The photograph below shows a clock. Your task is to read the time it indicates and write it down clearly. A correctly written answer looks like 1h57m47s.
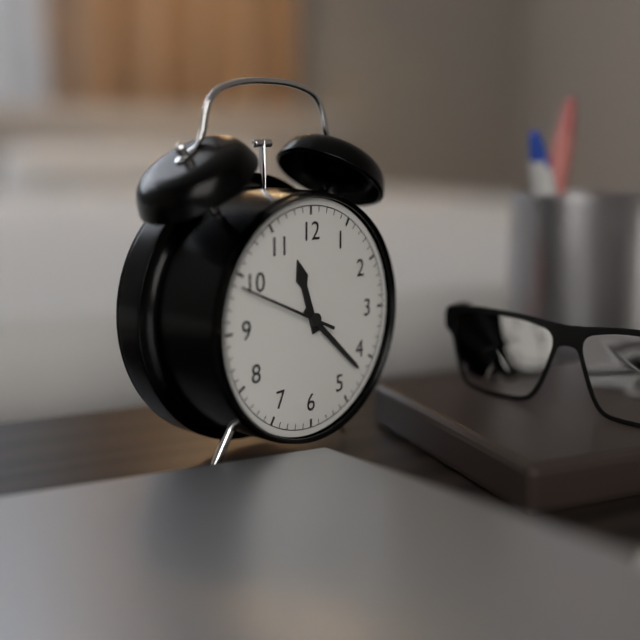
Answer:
11h22m49s
